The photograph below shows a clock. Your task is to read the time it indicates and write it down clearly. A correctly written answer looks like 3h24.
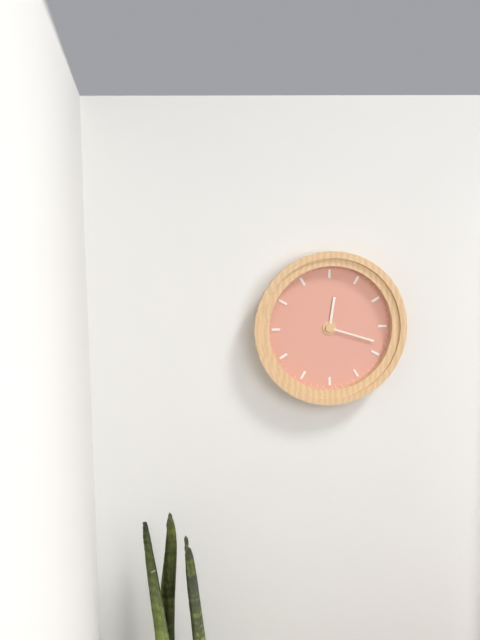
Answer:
12h18
